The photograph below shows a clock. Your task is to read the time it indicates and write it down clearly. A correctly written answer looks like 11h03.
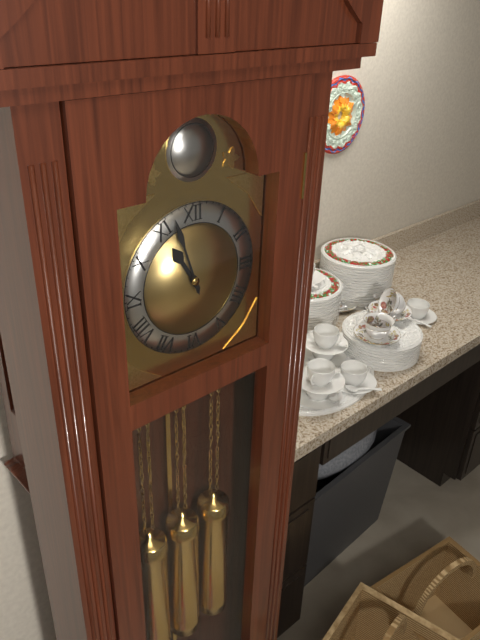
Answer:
10h57
